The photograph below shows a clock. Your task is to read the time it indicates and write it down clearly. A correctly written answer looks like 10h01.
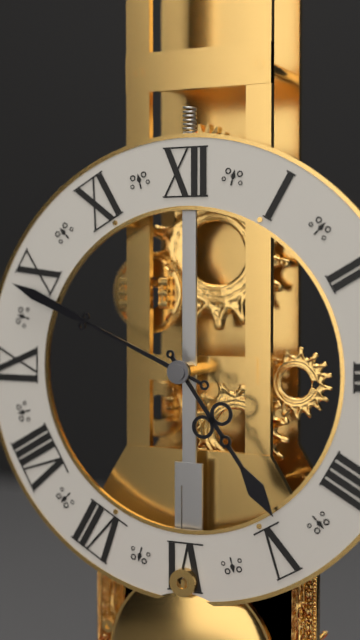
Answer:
4h49
